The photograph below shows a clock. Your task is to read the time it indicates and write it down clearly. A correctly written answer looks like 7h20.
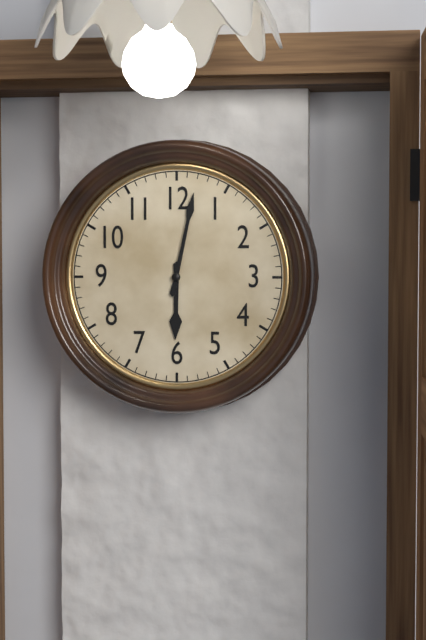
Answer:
6h02
